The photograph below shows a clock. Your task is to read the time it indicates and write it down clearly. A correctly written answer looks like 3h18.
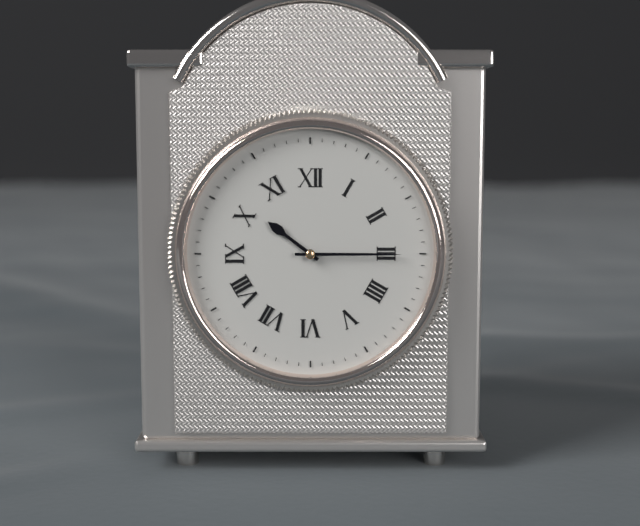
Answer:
10h15
